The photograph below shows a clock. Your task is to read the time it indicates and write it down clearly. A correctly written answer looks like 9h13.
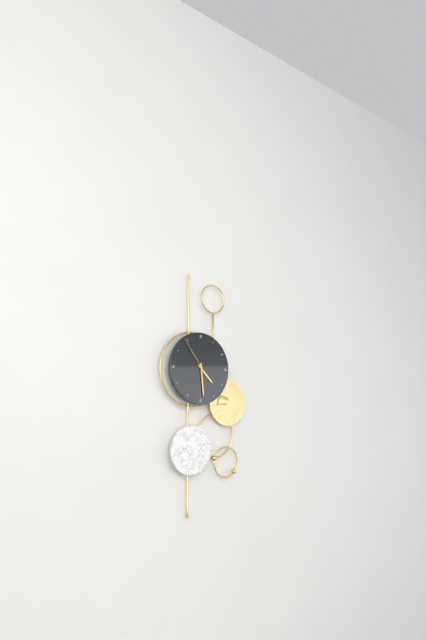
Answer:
4h29
